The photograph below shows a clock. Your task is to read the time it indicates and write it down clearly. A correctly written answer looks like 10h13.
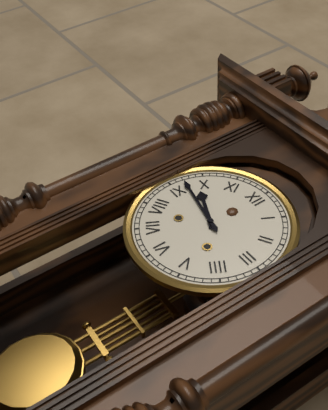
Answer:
9h47
